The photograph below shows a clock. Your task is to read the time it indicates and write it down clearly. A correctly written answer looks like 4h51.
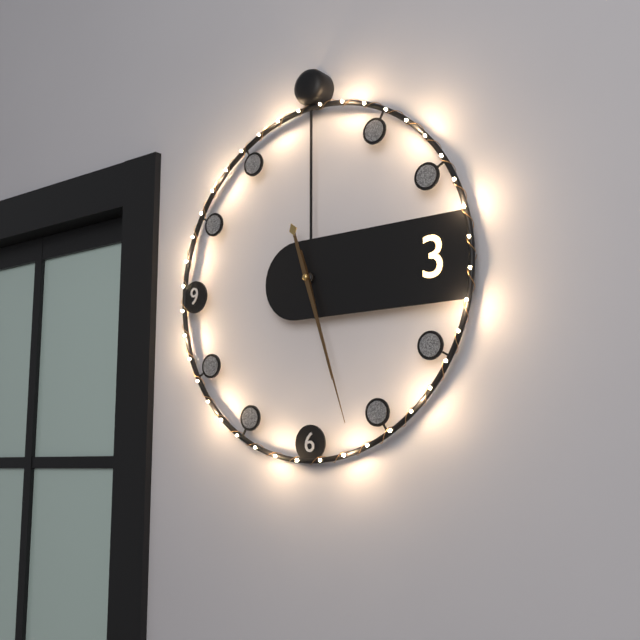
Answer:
5h27
